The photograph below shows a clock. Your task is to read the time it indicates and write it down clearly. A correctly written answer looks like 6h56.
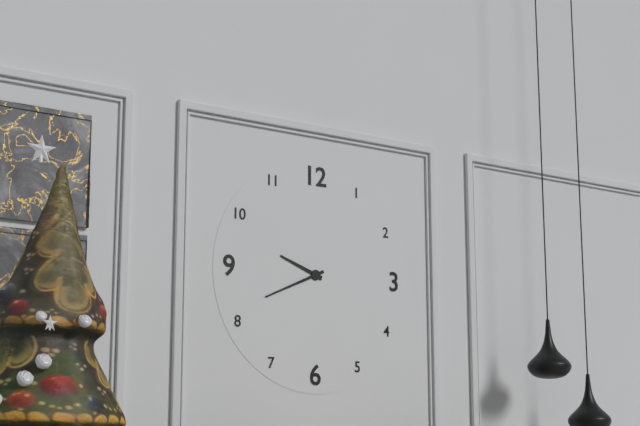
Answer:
9h41
